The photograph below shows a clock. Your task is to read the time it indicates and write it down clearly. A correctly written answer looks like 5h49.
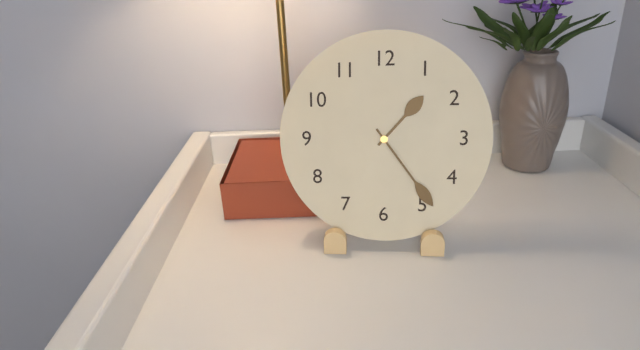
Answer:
1h24
